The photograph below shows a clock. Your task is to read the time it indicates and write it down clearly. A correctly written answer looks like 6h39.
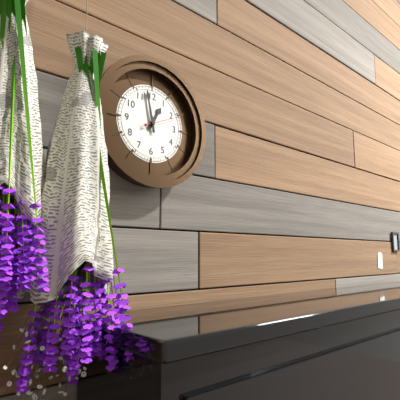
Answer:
12h58
